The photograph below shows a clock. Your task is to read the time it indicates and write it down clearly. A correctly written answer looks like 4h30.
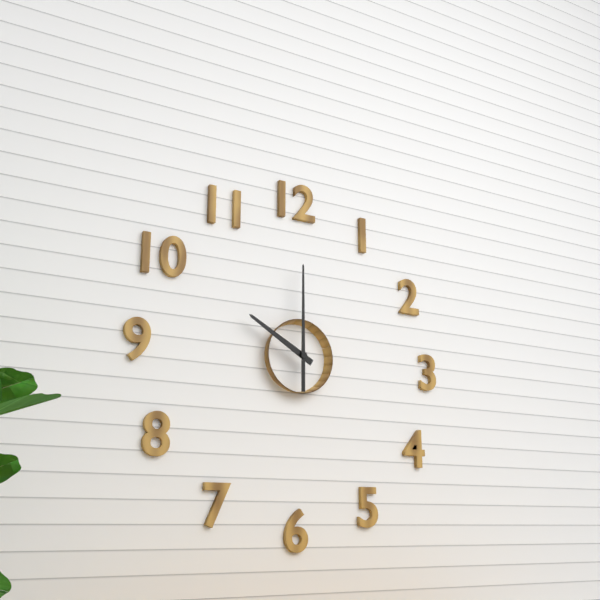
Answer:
10h00
